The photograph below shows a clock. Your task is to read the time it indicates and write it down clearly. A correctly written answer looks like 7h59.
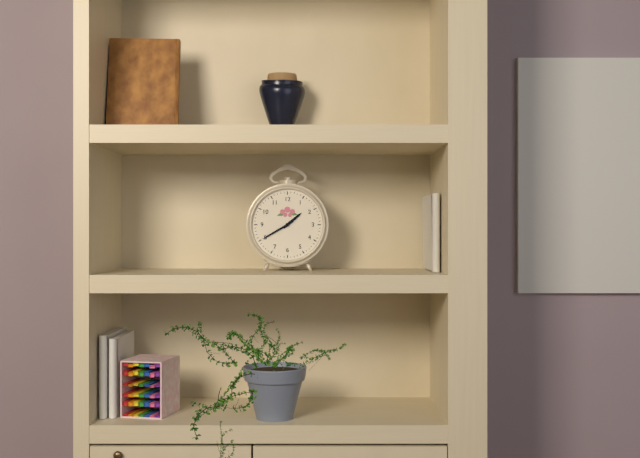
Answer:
1h40
